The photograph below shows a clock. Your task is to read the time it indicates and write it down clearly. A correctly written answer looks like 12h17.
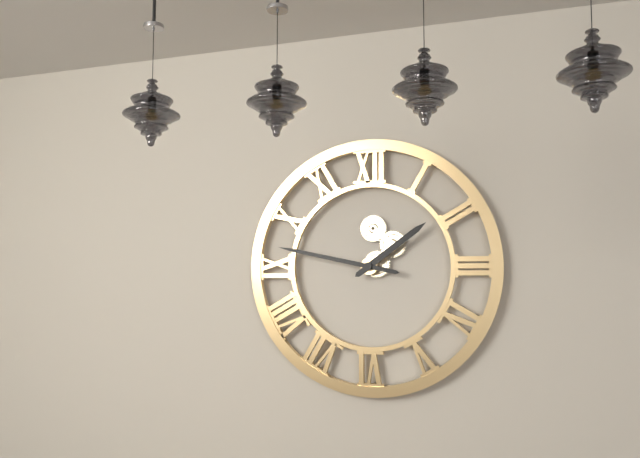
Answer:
1h47
